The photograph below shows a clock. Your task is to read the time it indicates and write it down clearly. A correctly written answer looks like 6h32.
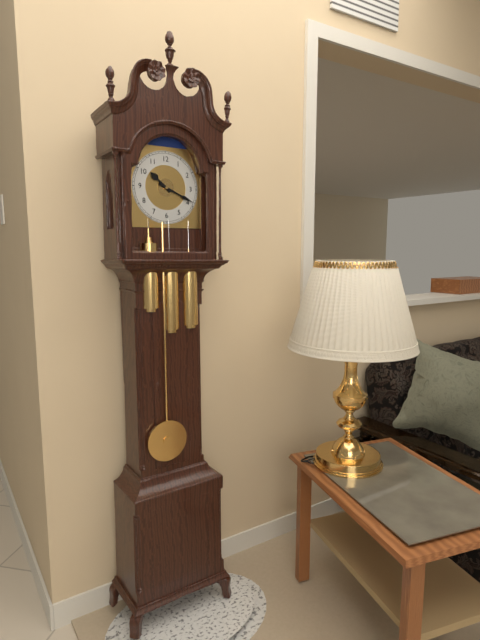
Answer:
10h19
